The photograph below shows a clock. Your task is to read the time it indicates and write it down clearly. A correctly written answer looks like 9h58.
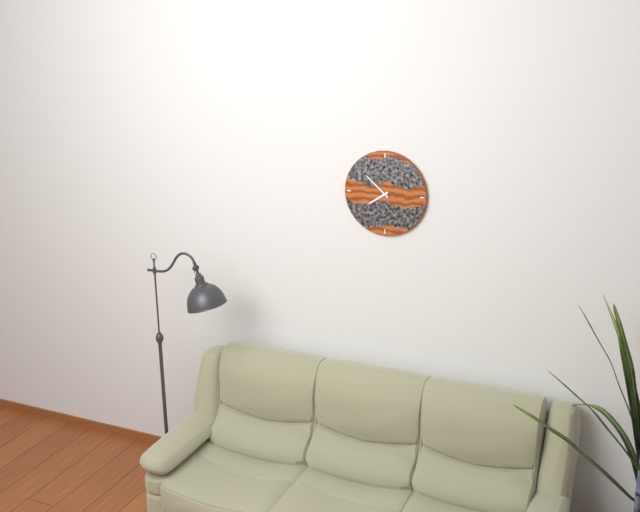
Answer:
7h52
